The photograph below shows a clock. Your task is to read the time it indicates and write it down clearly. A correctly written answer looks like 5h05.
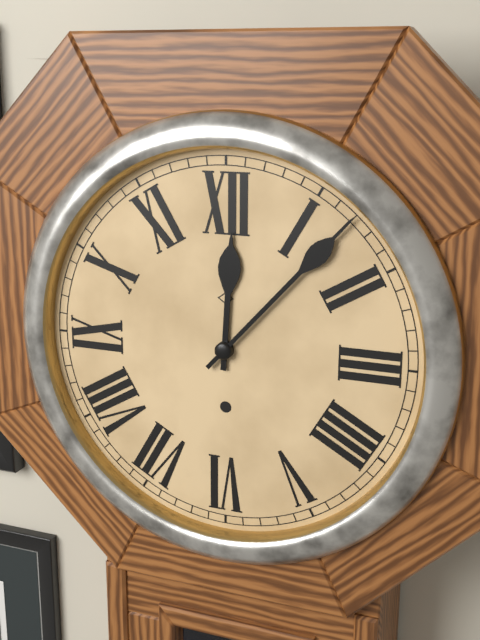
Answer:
12h07
